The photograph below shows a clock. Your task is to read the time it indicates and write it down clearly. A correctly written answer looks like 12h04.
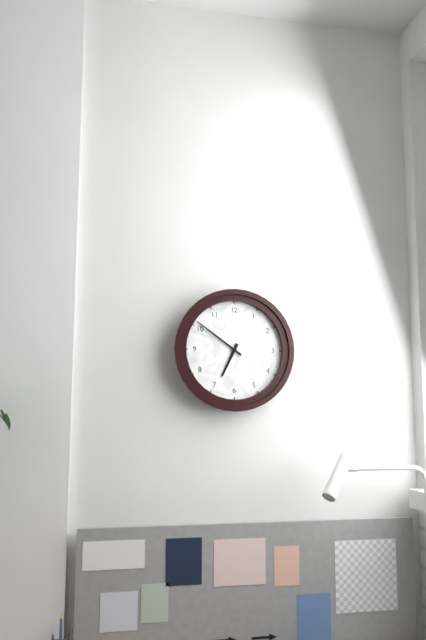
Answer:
6h51
